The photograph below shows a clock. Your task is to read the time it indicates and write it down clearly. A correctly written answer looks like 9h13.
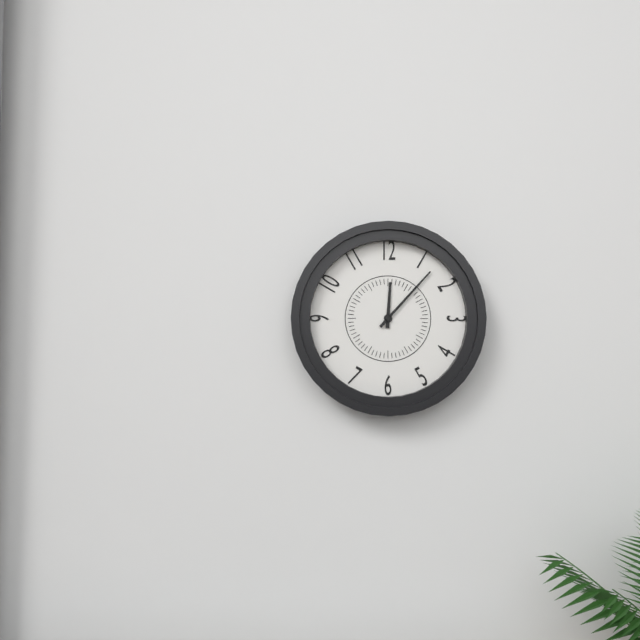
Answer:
12h07
